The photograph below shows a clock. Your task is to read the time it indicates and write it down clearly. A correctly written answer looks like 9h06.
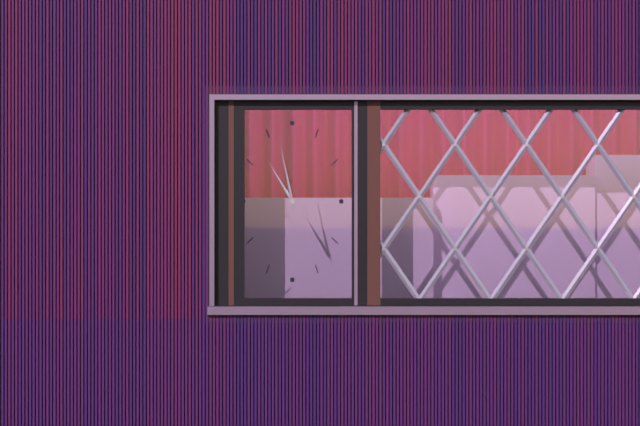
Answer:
10h58
